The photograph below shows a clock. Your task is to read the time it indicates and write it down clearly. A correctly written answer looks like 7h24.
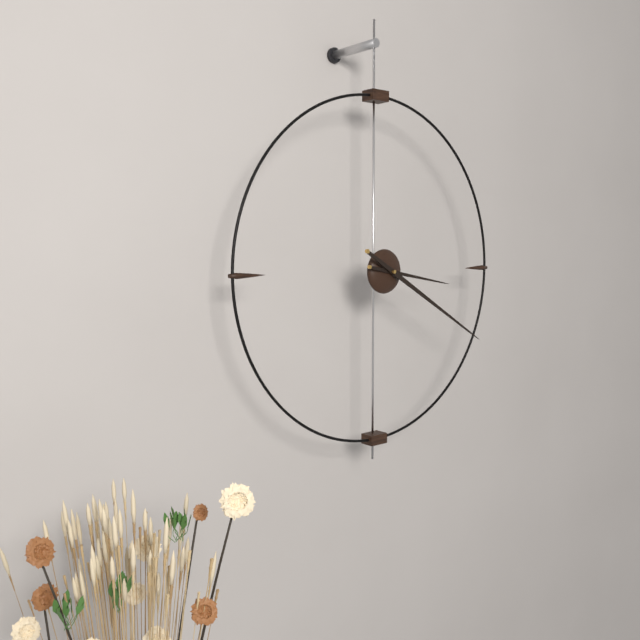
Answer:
3h20
